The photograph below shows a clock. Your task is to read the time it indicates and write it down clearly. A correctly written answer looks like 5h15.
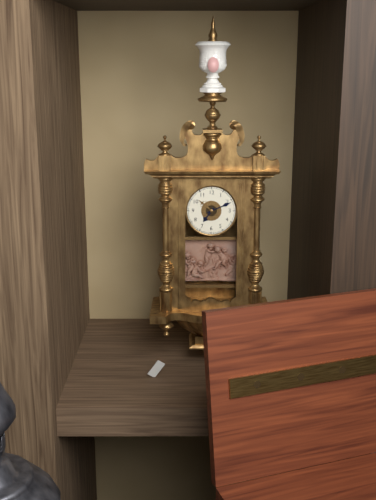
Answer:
7h11
